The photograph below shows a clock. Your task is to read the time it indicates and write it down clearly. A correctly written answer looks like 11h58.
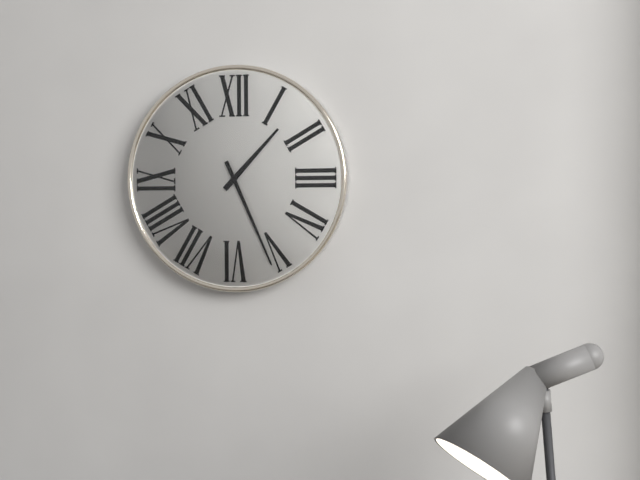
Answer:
1h26
